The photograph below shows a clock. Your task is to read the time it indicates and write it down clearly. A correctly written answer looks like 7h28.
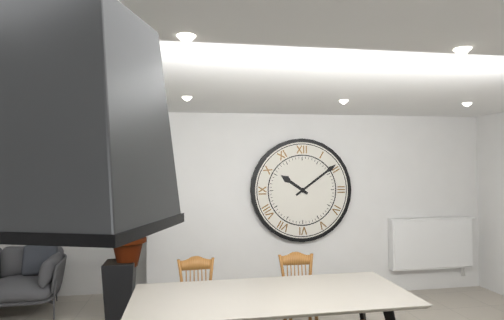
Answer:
10h09
